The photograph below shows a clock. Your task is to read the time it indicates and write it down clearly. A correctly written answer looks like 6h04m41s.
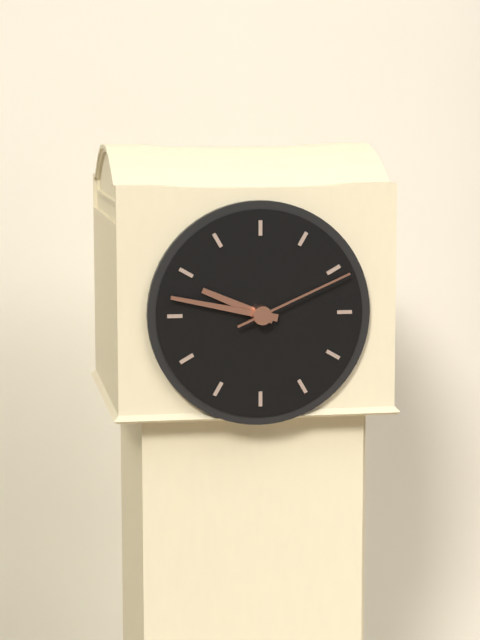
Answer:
9h47m11s
